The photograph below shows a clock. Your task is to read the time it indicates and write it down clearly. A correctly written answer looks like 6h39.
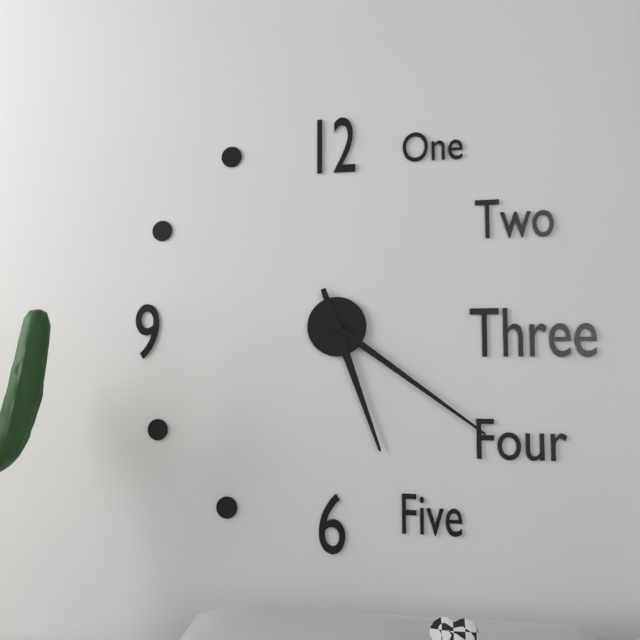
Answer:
5h21
